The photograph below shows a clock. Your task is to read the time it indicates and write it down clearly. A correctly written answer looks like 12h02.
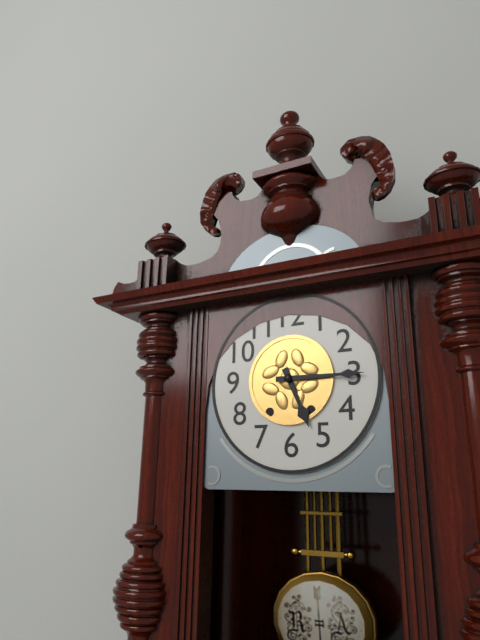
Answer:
5h15
